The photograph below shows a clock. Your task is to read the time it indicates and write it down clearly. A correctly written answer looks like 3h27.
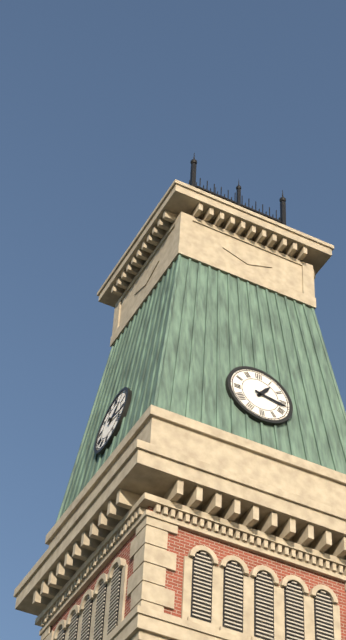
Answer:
1h17
